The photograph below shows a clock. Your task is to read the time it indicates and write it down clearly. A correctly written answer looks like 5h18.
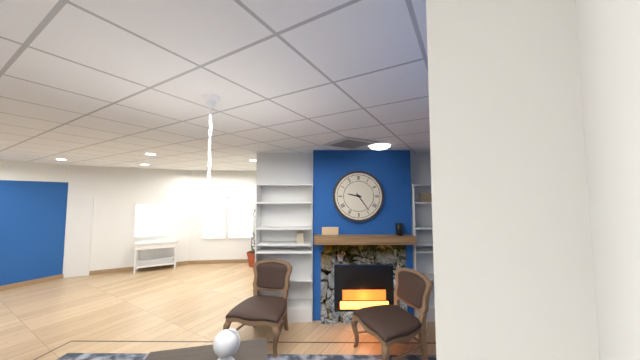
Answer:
9h24
